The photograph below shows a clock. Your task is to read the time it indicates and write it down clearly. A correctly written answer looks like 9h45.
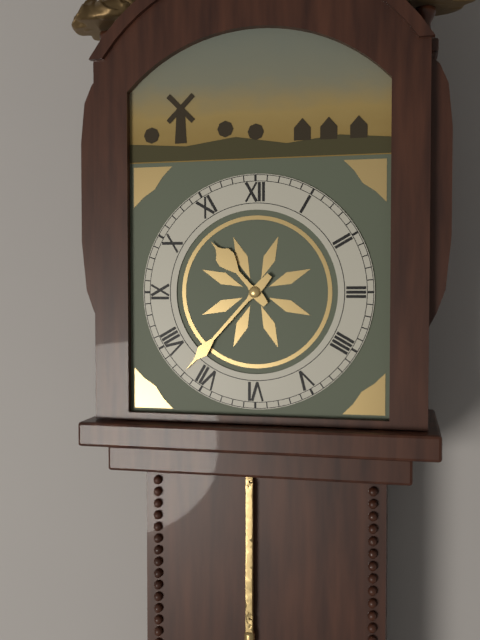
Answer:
10h37
